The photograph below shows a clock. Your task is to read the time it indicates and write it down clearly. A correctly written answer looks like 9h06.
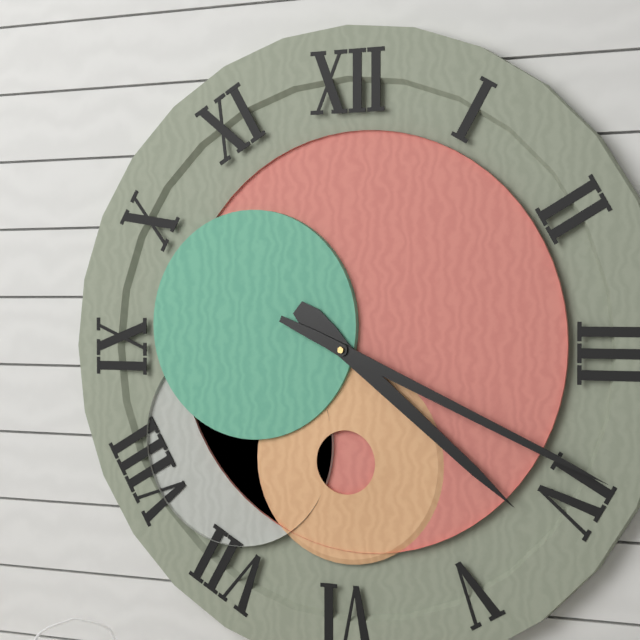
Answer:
4h19
